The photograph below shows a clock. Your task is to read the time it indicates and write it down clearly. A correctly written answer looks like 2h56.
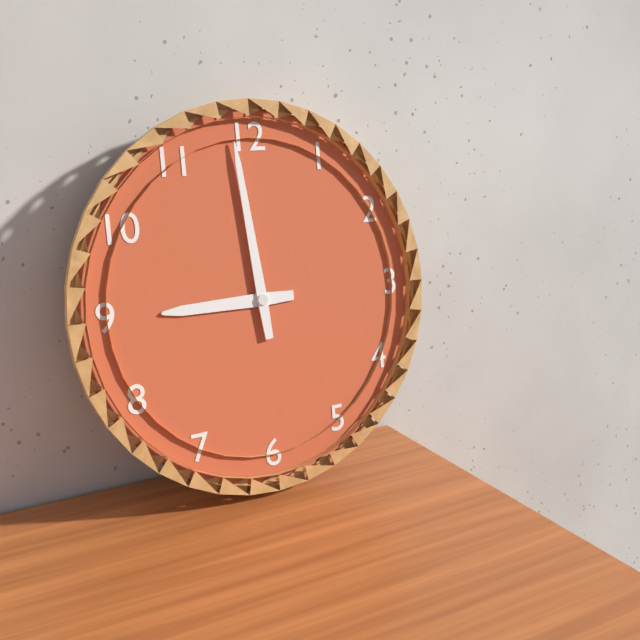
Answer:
8h59
